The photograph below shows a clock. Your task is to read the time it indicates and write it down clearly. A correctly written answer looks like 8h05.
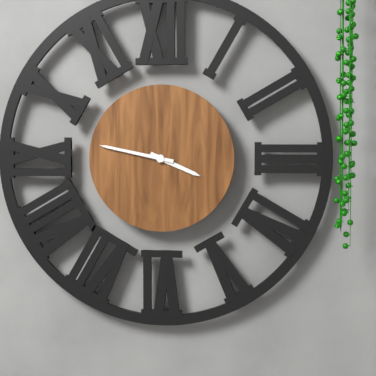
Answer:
3h47
